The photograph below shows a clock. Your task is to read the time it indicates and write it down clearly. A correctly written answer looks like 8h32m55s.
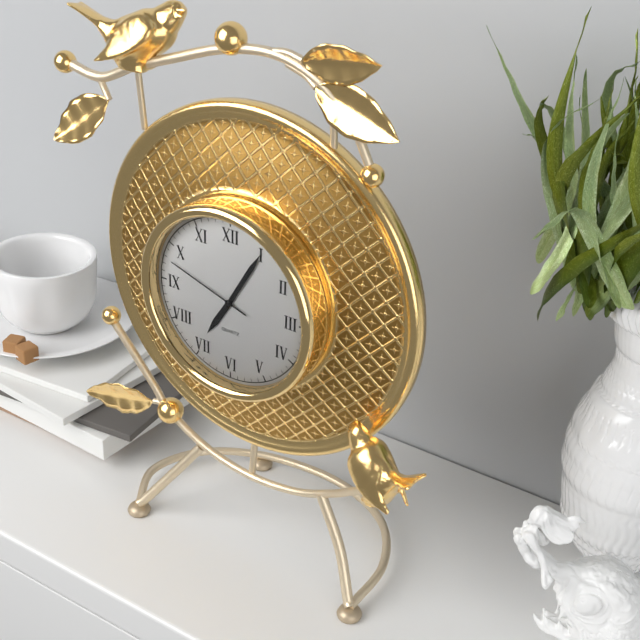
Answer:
7h05m48s
